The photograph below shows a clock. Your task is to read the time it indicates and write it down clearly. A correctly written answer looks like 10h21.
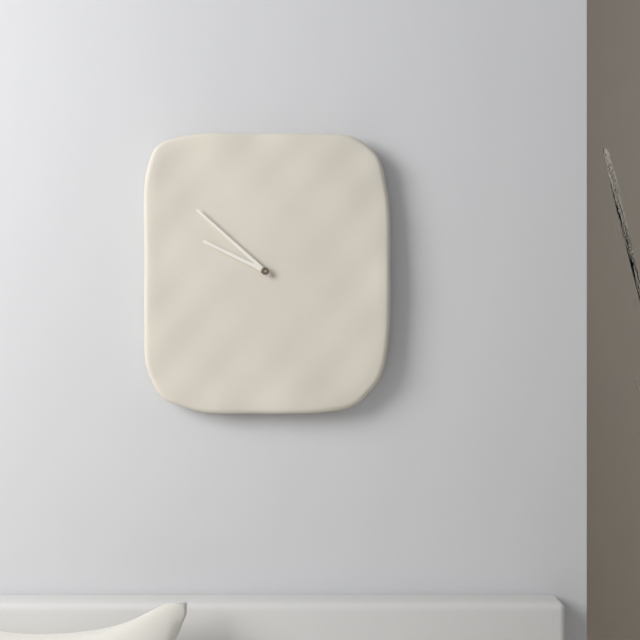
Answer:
9h52
